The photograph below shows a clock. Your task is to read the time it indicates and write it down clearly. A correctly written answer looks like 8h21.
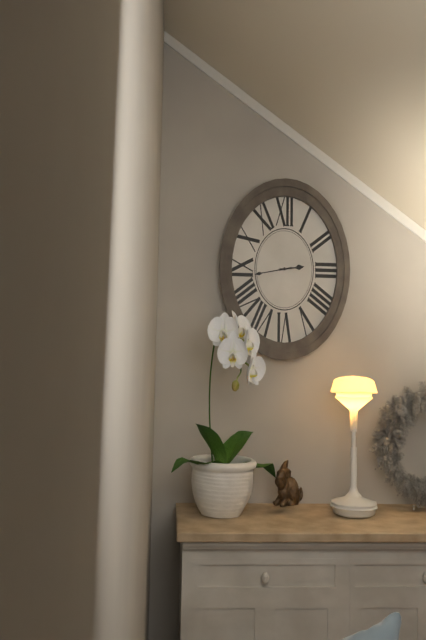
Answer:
2h43
